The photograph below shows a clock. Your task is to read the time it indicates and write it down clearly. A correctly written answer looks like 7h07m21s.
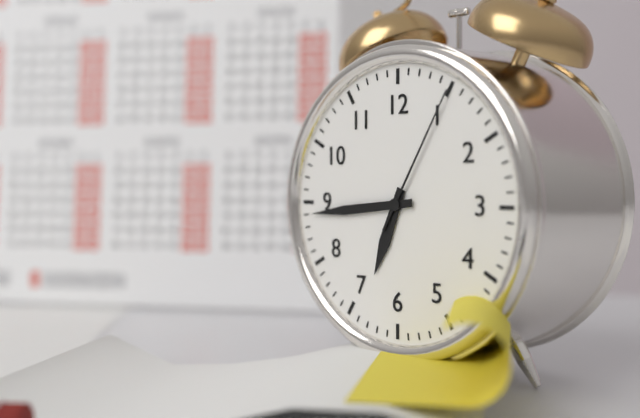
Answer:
6h44m05s
